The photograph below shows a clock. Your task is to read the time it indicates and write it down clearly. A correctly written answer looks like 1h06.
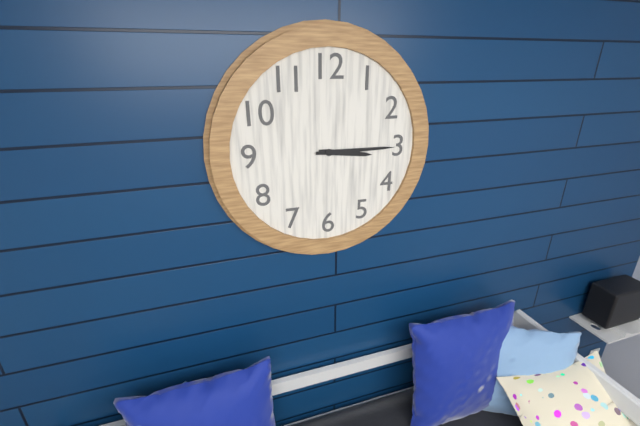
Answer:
3h15
